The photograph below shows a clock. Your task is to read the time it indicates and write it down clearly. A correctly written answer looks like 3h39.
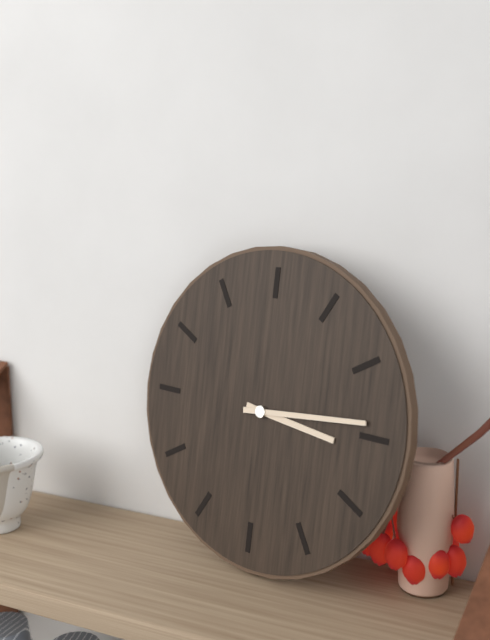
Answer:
3h14
